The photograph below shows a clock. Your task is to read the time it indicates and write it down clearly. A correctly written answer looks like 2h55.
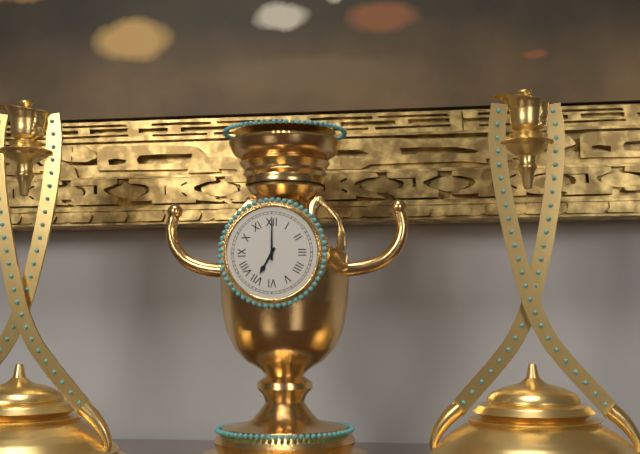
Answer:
7h00
